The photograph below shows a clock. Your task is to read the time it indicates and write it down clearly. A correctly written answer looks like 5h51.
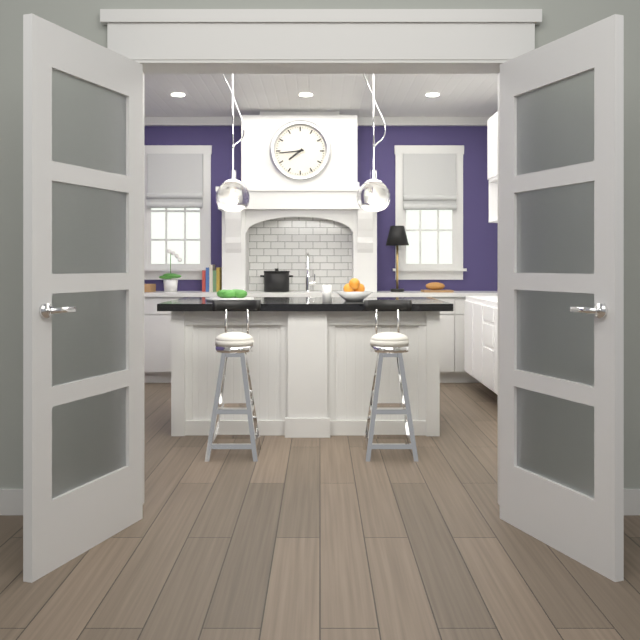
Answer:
7h44
